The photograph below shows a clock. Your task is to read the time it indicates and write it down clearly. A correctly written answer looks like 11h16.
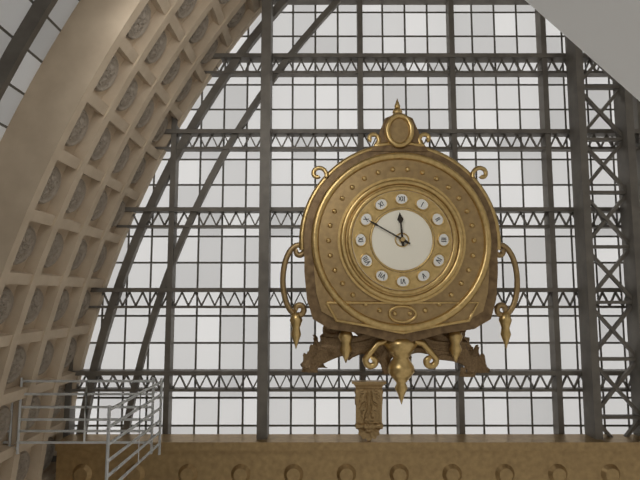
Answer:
11h50
